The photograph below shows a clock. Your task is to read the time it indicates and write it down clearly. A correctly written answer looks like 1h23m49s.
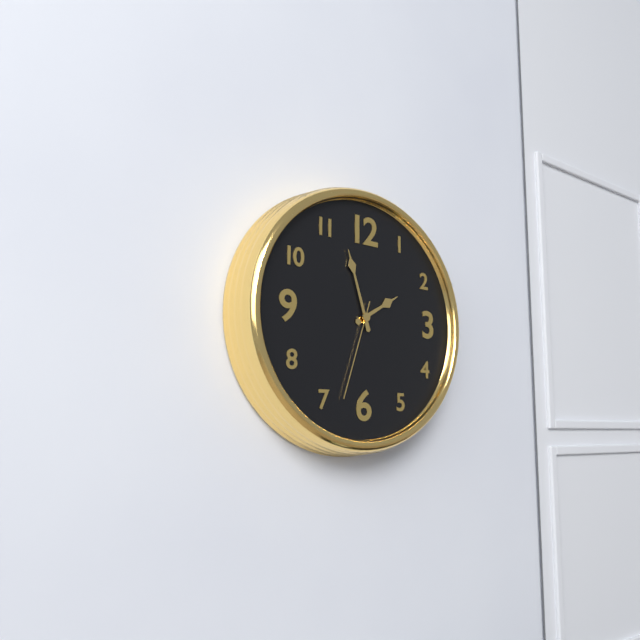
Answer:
1h57m33s
